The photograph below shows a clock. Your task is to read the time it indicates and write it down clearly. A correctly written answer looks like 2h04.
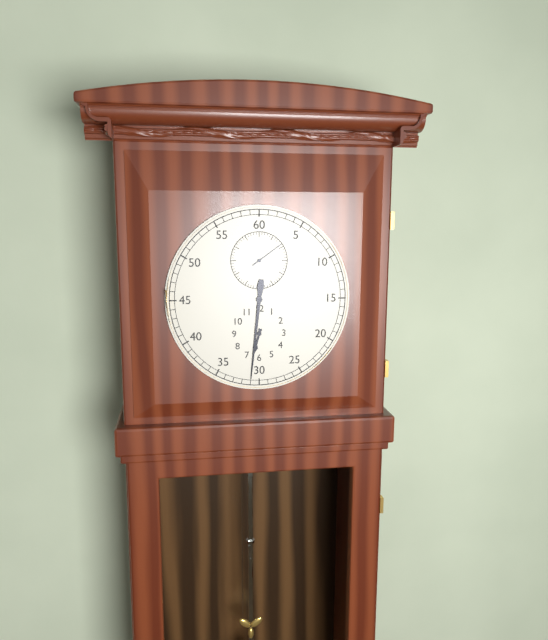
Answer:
6h31
